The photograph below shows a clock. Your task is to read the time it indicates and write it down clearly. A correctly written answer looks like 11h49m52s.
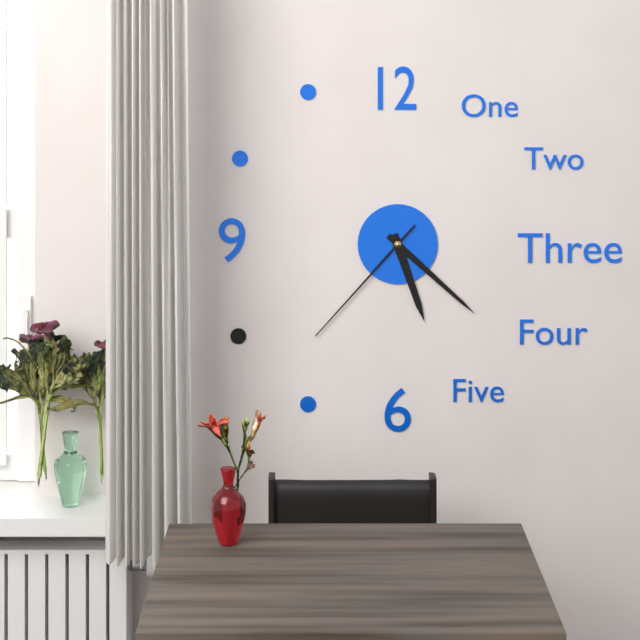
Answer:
5h22m37s
